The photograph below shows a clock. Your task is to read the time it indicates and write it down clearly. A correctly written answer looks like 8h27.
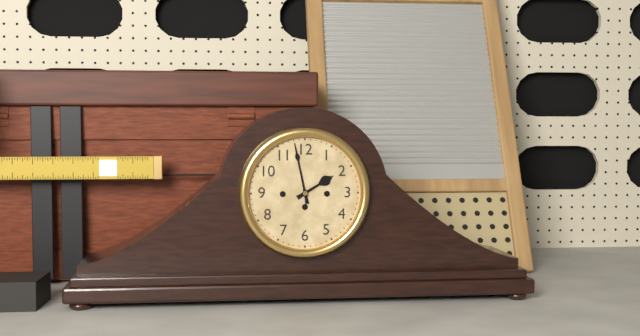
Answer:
1h58
